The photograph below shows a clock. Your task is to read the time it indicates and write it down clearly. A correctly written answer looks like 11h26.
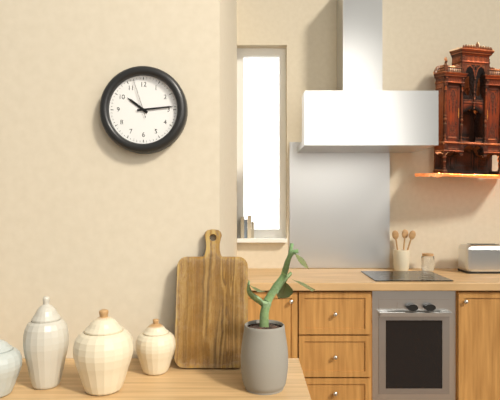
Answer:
10h14
